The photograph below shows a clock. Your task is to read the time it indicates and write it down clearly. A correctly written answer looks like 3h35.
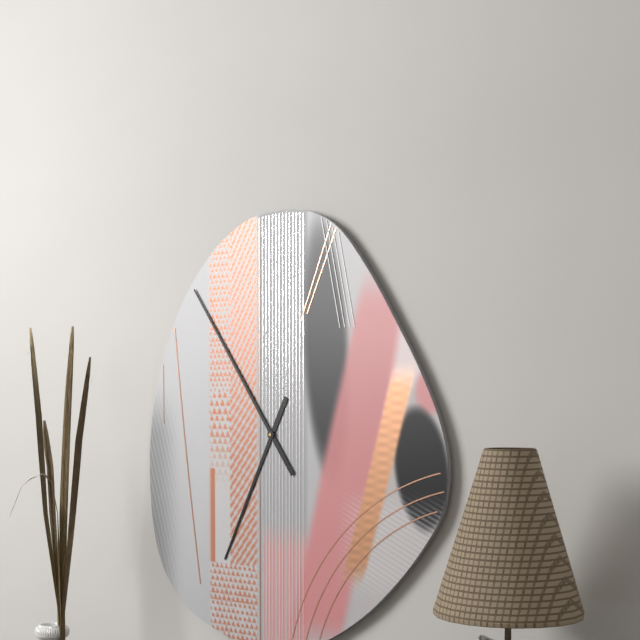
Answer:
6h54
